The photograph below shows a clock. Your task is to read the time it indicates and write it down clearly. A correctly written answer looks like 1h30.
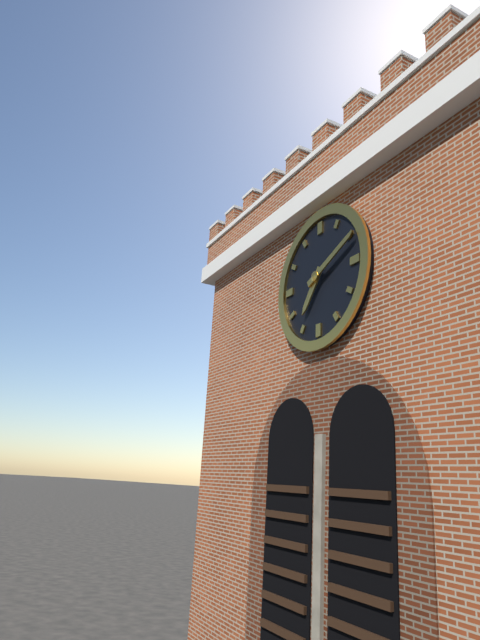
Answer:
7h11
